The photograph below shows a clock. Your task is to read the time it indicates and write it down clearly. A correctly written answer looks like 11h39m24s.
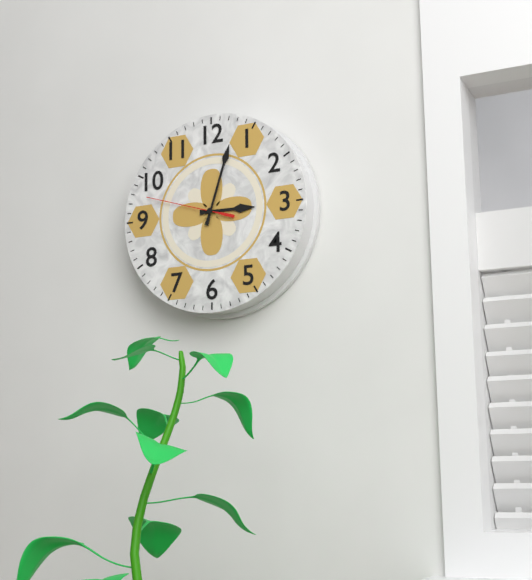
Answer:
3h03m48s
